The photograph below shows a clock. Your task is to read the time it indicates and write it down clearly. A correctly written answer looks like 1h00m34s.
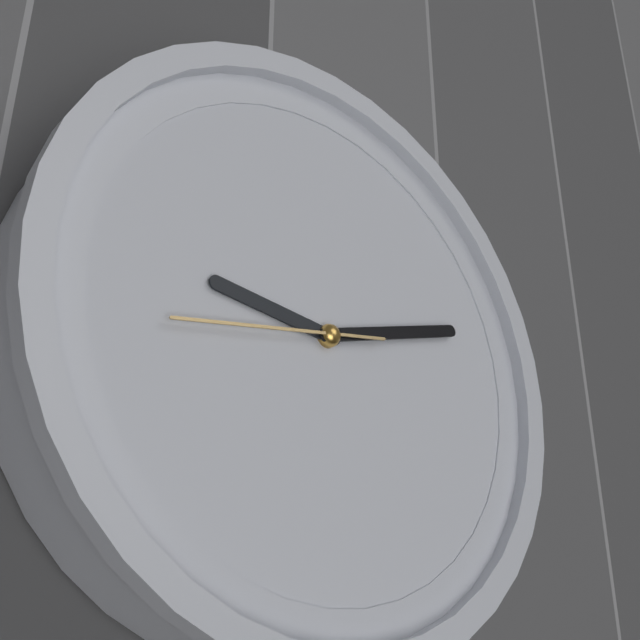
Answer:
9h12m43s
